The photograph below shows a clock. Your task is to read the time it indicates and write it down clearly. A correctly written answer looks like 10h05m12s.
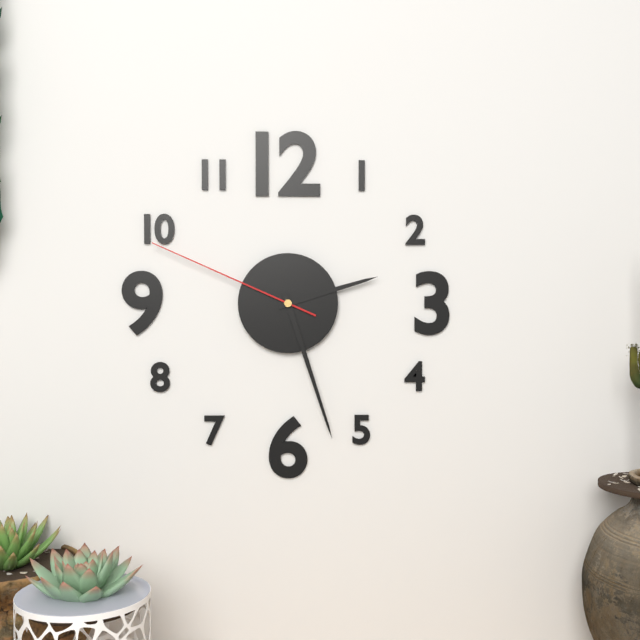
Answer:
2h27m49s
